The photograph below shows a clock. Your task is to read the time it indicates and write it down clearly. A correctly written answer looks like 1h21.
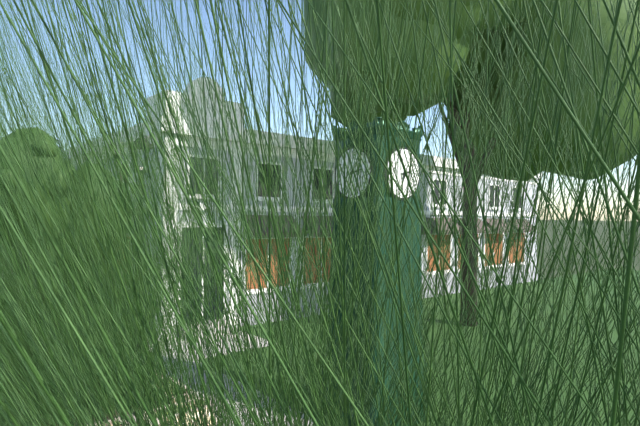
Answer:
2h32
